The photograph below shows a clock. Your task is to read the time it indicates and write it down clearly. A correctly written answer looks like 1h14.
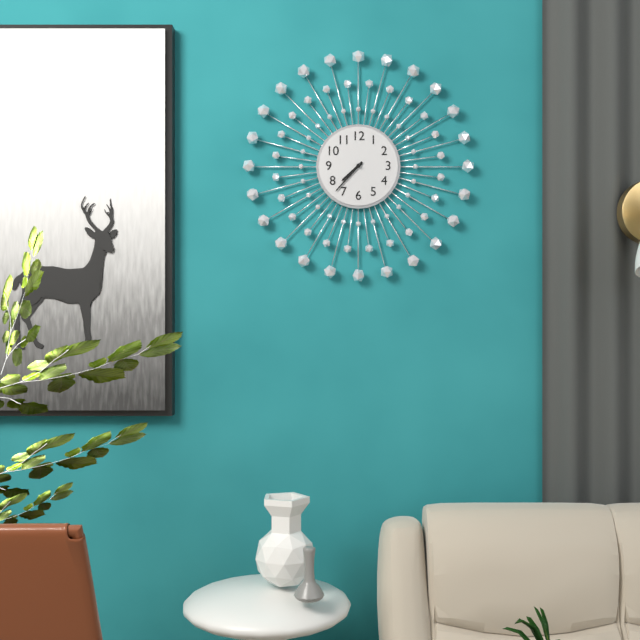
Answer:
7h37
